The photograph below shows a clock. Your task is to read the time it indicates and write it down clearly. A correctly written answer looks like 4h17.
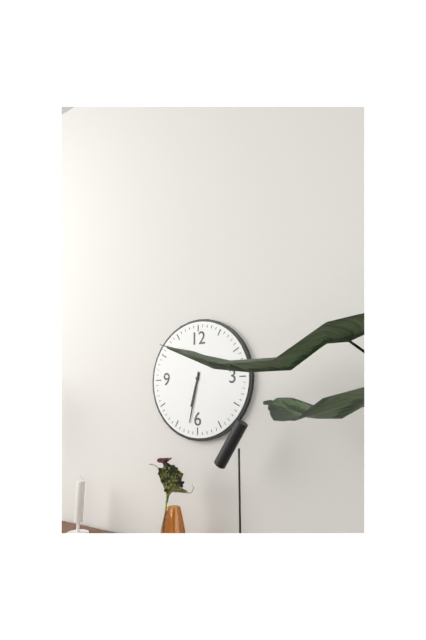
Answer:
6h32
